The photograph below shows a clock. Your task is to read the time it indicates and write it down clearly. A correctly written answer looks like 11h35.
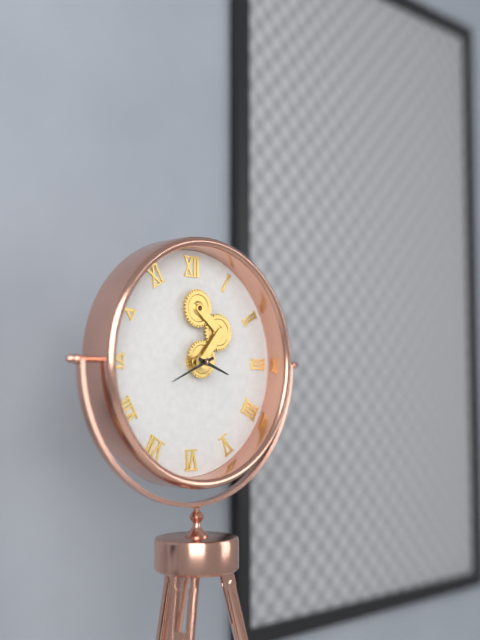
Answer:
3h41
